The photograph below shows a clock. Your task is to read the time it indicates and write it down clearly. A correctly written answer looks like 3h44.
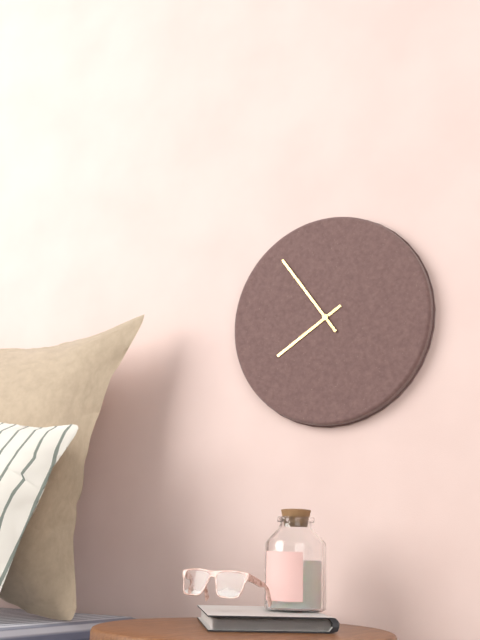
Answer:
7h54
